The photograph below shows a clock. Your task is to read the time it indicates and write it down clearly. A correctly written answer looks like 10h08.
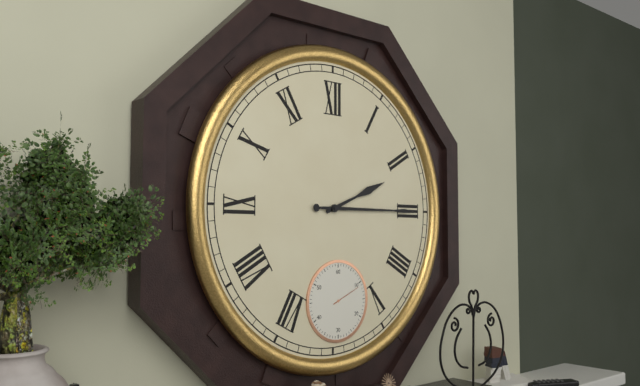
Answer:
2h15
